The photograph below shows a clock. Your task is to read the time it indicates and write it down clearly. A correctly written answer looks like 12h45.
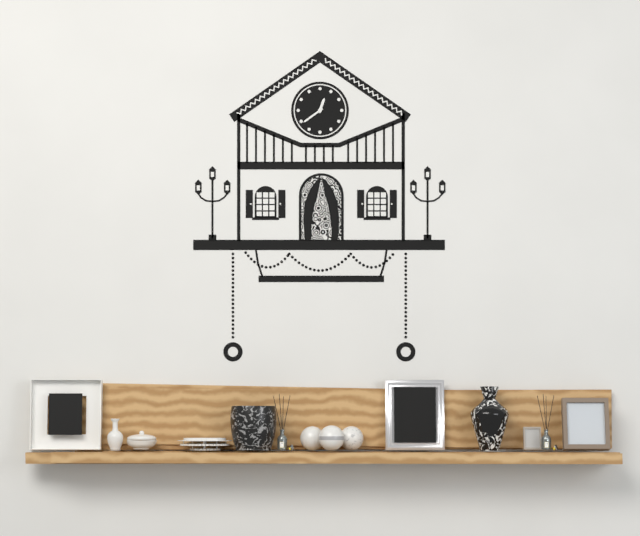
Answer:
12h39
